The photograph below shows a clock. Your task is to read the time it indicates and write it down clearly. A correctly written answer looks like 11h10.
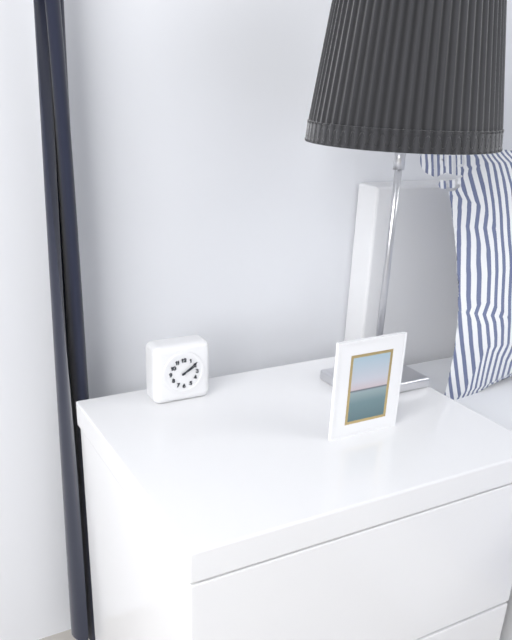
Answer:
2h09
